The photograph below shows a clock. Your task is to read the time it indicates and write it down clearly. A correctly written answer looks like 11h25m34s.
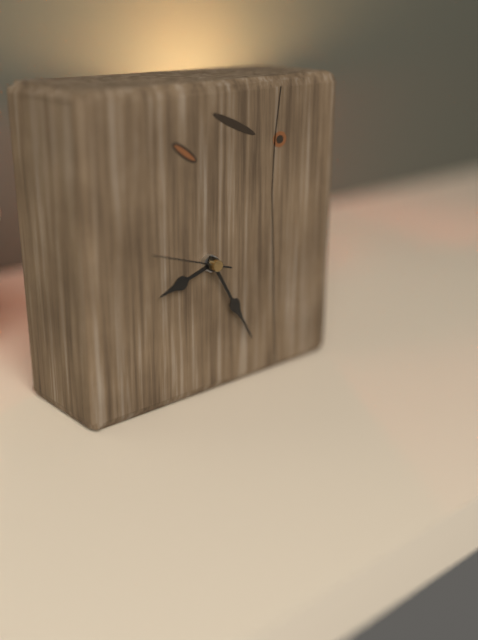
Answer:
8h25m48s
